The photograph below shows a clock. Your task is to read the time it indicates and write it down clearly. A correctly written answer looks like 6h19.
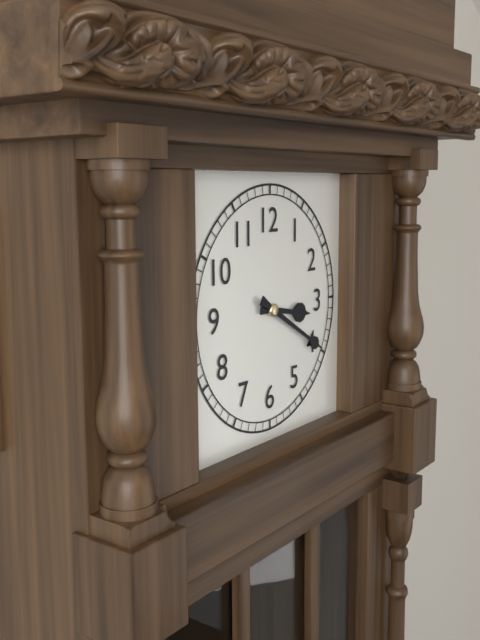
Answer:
3h20
